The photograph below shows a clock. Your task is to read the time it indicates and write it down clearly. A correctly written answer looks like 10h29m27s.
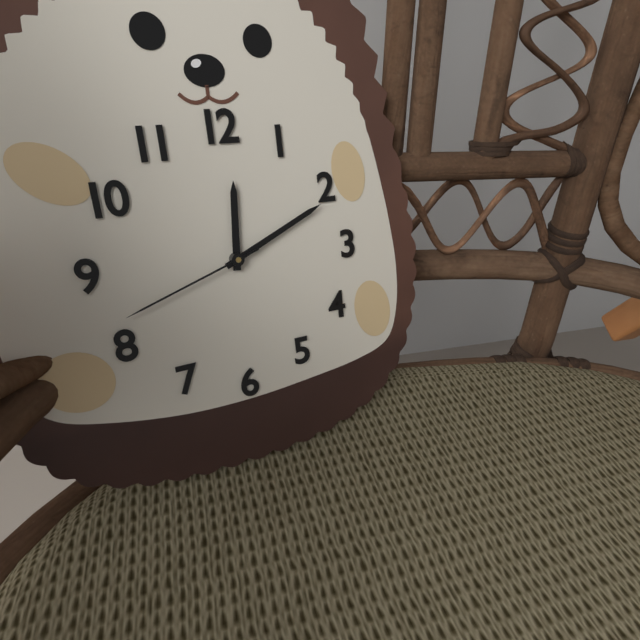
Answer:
12h11m42s
